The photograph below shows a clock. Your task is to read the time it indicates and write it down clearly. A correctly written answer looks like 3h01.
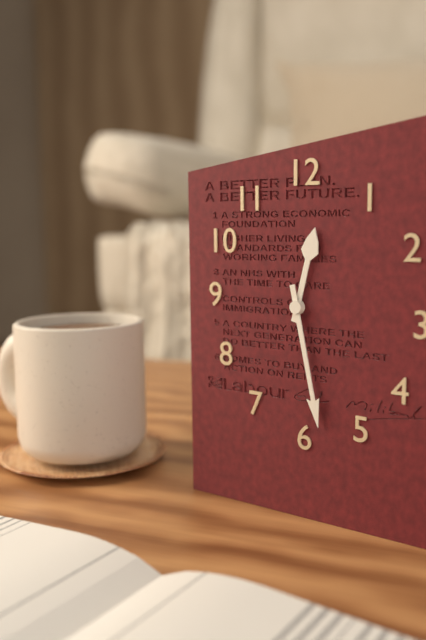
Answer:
12h28
